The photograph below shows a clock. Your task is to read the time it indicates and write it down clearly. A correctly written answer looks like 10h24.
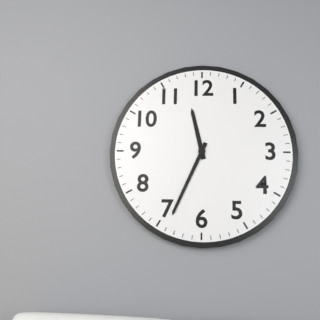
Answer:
11h34
